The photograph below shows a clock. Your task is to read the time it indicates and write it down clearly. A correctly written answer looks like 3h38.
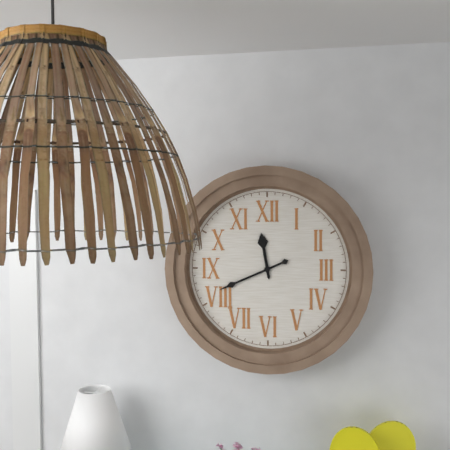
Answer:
11h41
